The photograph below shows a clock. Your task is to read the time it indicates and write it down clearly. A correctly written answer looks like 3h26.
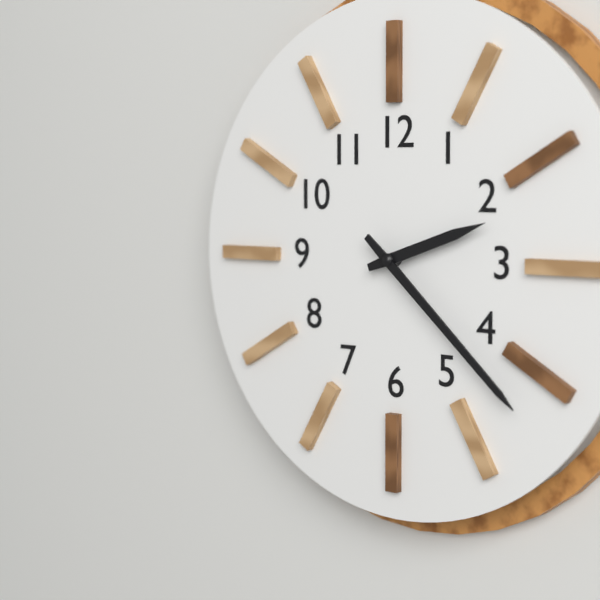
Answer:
2h22
